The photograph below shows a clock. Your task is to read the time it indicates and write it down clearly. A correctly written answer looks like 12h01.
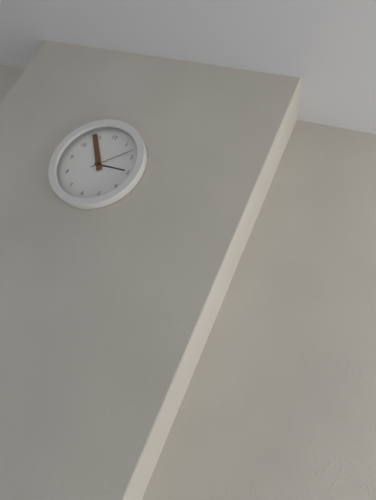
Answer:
2h54
